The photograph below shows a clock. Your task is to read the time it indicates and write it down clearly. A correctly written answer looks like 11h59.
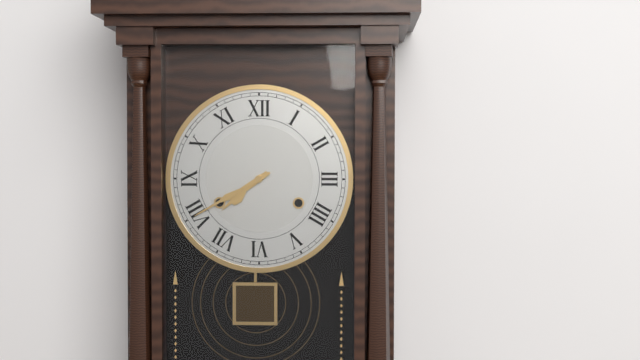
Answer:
7h40
